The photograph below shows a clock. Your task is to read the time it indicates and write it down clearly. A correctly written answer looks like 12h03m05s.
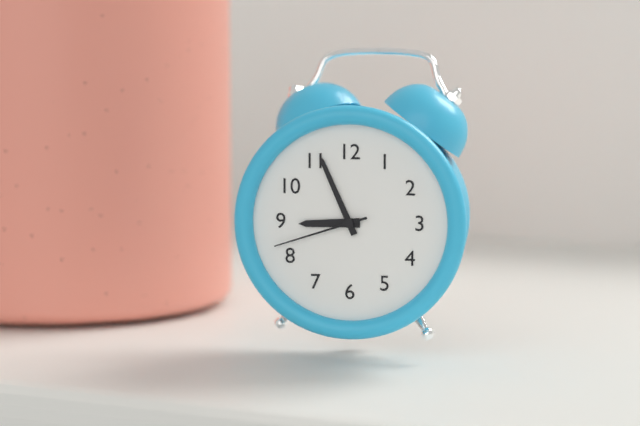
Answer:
8h56m42s
